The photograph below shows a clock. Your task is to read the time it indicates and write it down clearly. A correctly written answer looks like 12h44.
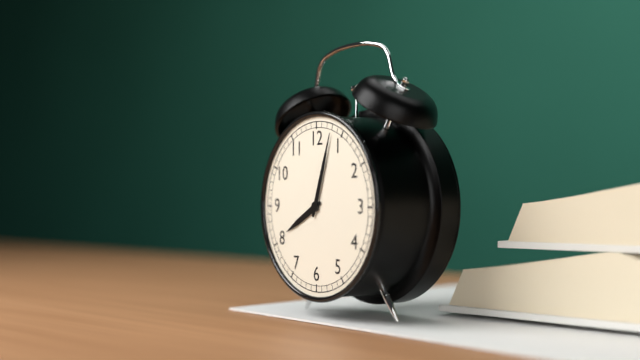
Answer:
8h03
